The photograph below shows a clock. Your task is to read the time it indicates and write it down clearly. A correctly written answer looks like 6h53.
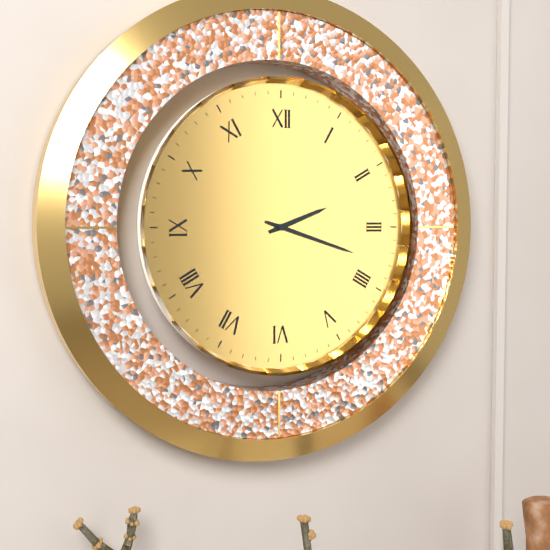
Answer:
2h18
